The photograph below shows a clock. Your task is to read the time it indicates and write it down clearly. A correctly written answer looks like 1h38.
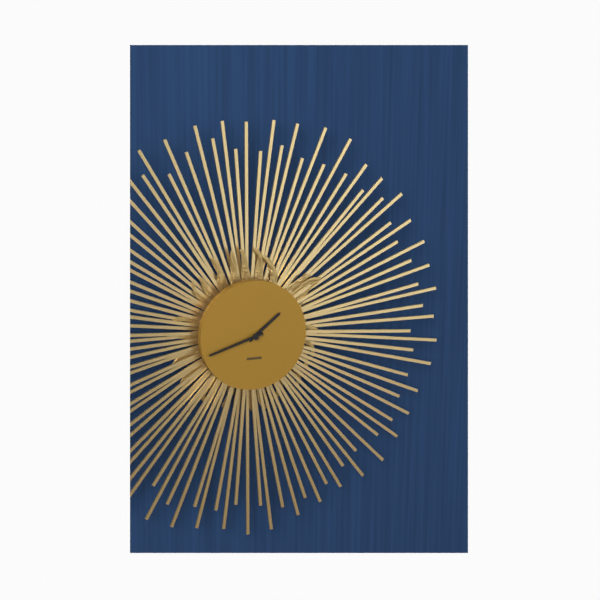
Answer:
1h42
